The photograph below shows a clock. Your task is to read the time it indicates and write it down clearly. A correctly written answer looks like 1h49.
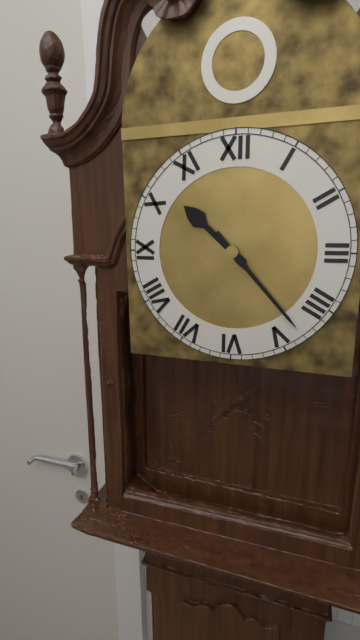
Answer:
10h23
